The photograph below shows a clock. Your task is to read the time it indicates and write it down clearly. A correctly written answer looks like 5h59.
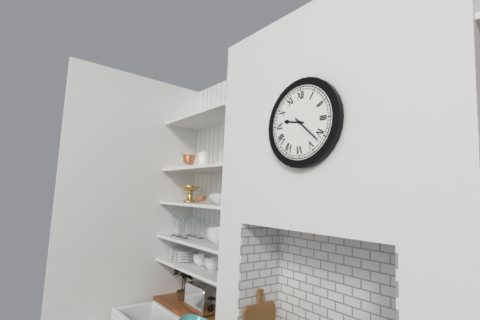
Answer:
9h22
